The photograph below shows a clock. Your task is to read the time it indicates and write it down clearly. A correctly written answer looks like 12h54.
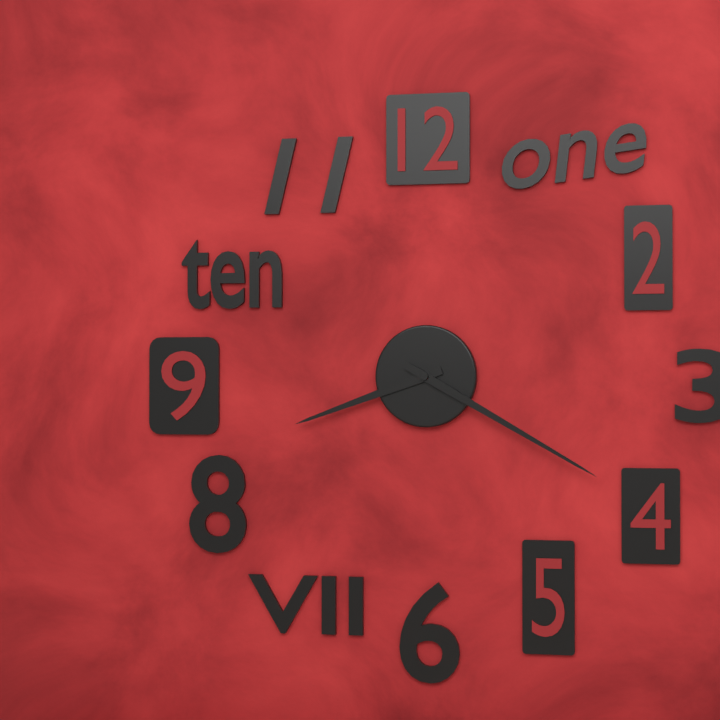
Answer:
8h20
